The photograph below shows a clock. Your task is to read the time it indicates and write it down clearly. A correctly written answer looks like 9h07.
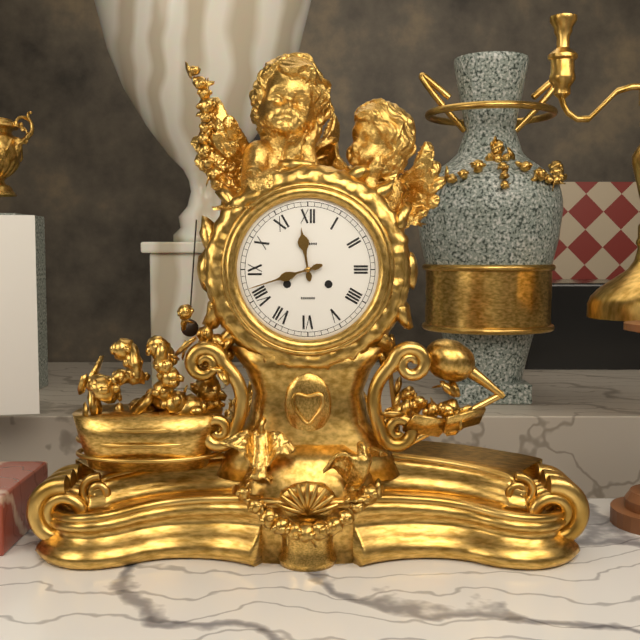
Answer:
11h42
